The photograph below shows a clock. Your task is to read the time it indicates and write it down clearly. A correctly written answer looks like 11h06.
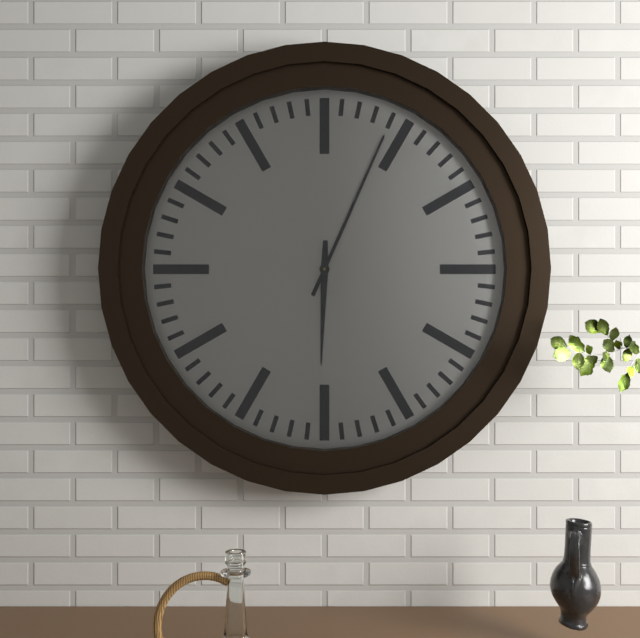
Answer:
6h04
